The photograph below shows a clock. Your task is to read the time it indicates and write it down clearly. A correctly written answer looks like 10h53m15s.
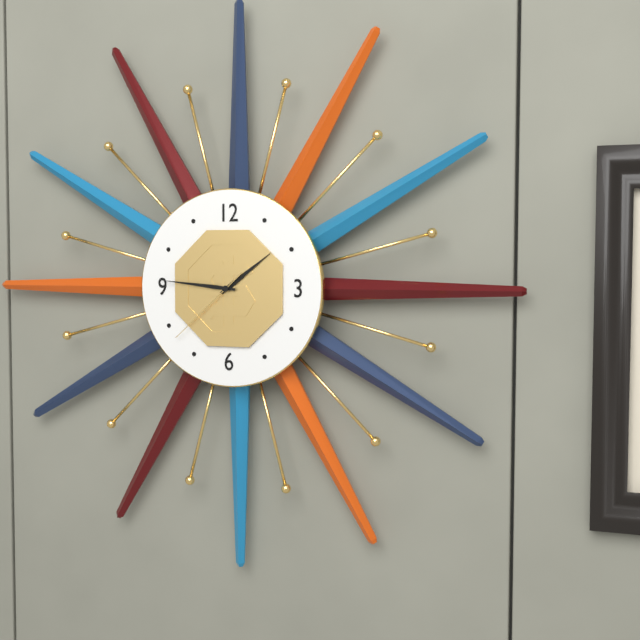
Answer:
1h46m38s
